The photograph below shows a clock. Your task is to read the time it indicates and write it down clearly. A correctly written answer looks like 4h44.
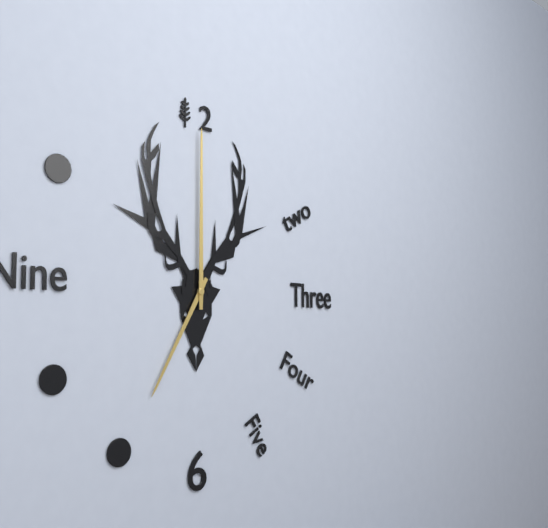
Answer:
7h00
